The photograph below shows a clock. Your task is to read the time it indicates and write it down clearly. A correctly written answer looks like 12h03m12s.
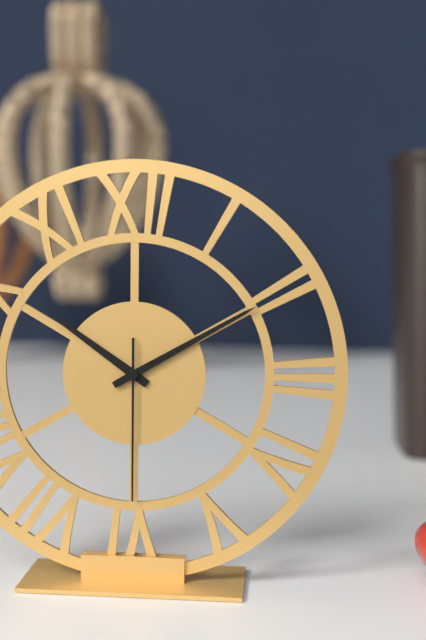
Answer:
10h10m30s
